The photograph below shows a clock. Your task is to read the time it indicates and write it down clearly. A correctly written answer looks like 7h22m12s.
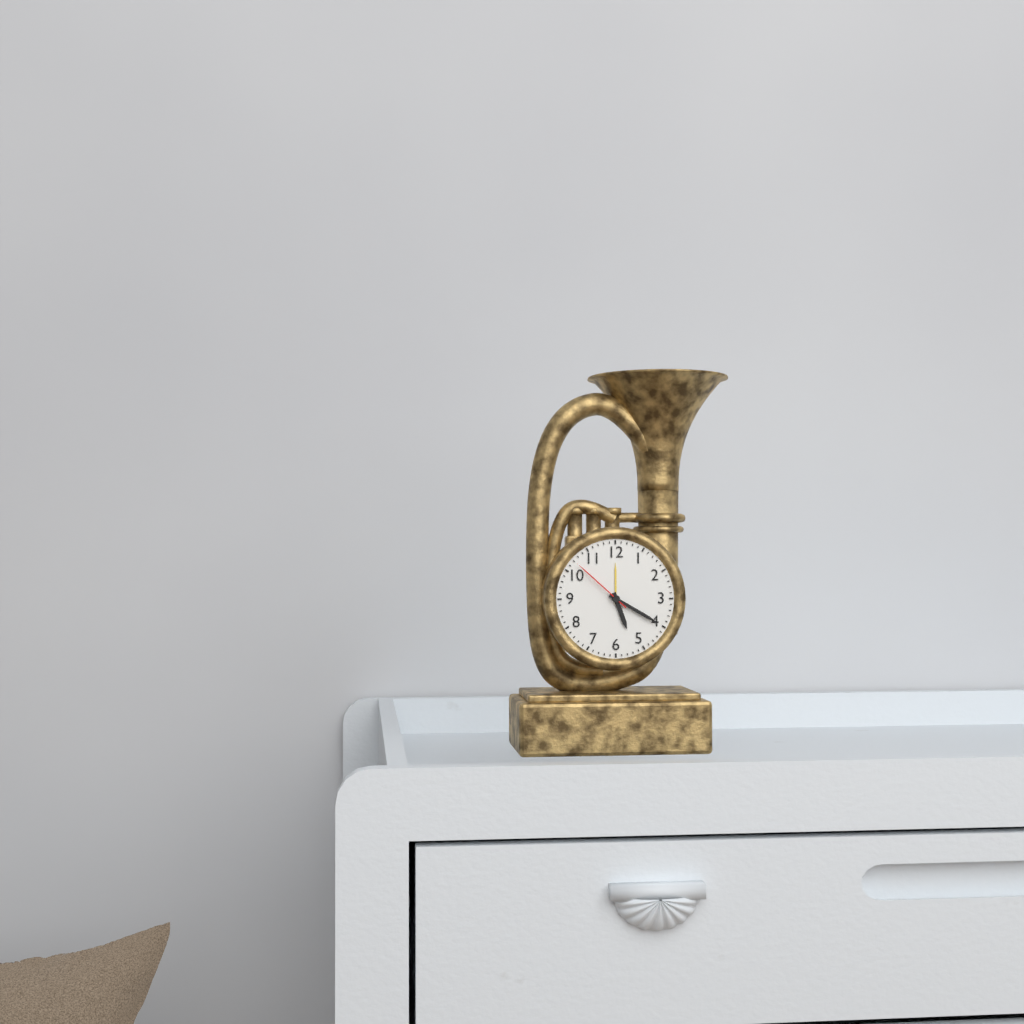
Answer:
5h20m52s
